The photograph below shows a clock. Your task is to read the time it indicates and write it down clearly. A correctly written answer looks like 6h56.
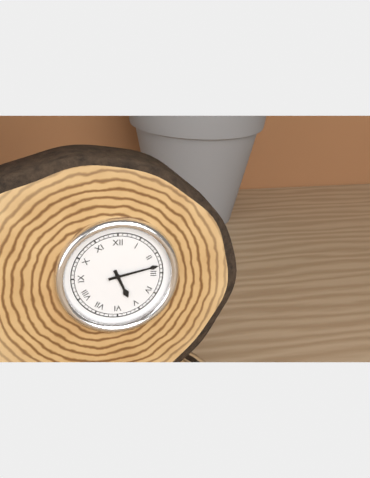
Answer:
5h13
